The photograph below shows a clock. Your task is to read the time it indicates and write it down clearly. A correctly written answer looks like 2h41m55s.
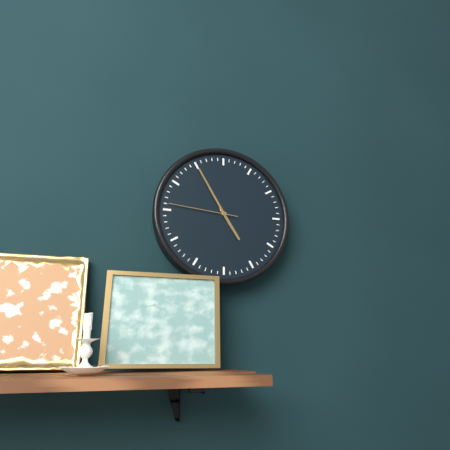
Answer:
4h55m46s
